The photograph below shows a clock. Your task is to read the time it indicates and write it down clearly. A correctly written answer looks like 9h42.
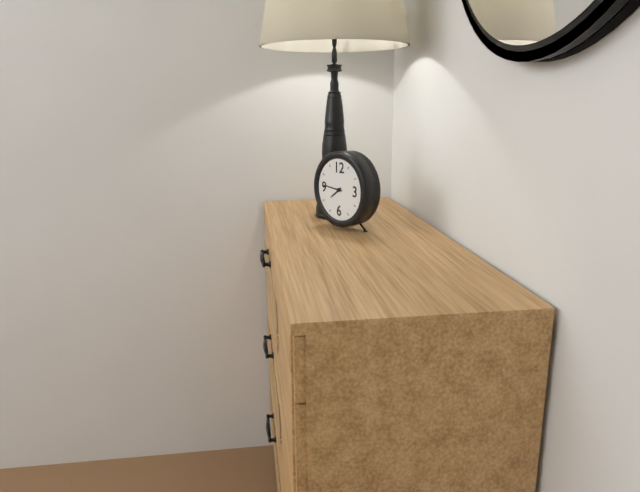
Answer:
7h46
